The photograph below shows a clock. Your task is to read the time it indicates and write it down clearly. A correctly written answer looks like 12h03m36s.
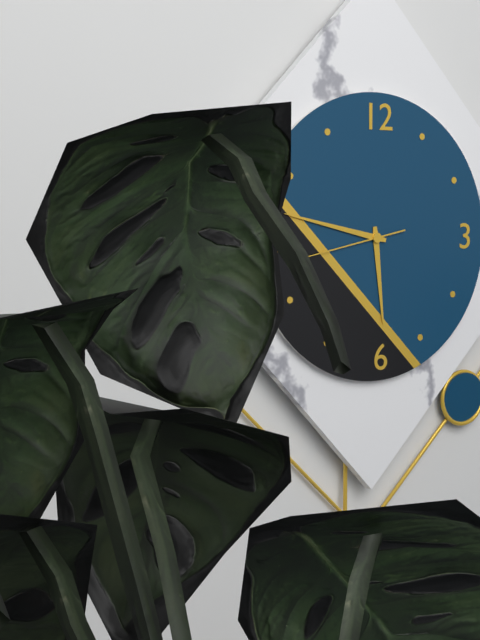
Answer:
5h47m43s
